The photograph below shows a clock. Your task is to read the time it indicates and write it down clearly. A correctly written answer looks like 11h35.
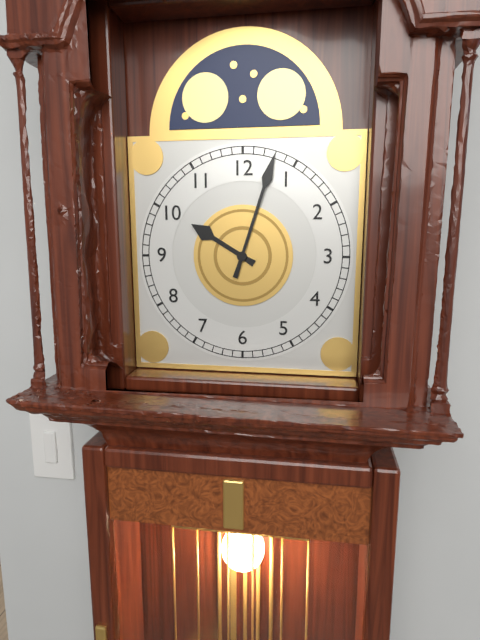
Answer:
10h03
